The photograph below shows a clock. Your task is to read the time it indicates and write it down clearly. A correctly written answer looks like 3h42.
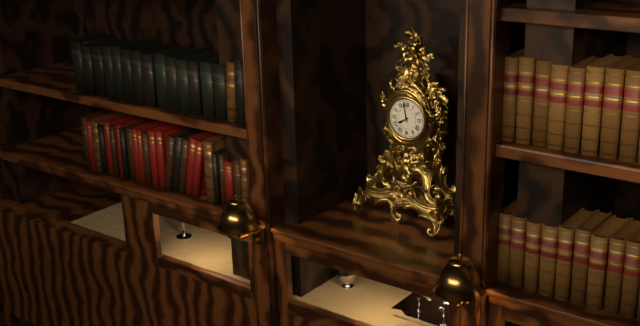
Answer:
7h58
